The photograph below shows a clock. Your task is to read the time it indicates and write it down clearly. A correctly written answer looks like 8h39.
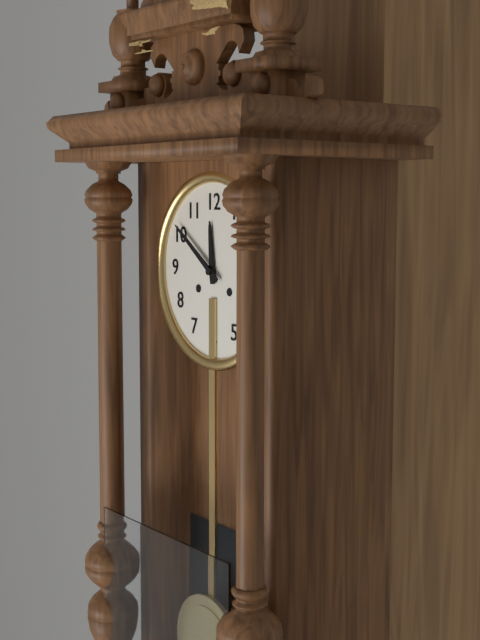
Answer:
11h51
